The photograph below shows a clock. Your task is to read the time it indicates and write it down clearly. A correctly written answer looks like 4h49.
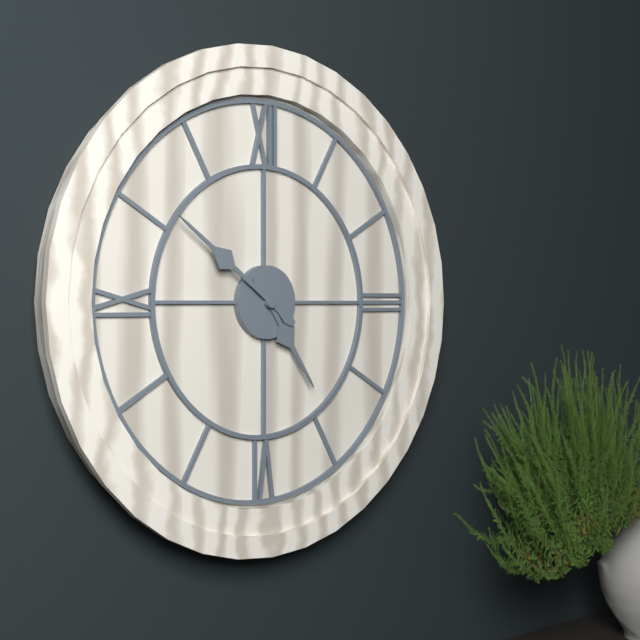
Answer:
4h51
